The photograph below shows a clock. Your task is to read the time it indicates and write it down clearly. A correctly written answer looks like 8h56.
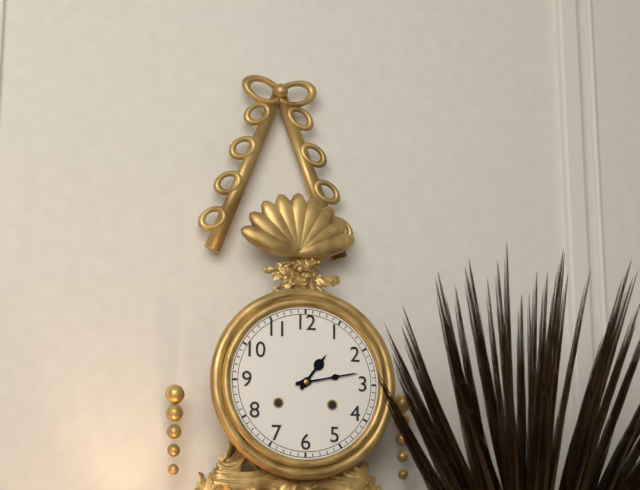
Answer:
1h13
